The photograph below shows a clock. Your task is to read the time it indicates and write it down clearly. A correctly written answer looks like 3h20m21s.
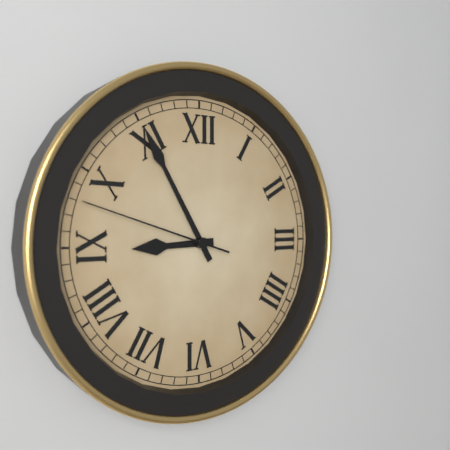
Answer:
8h55m48s
